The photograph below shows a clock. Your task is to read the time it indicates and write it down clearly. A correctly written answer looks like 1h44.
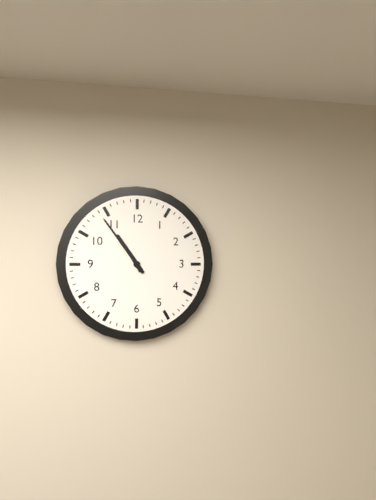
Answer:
10h54
